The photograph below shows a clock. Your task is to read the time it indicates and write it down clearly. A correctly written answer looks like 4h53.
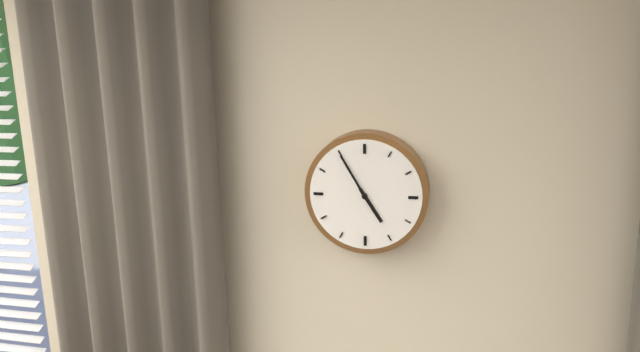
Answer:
4h55
